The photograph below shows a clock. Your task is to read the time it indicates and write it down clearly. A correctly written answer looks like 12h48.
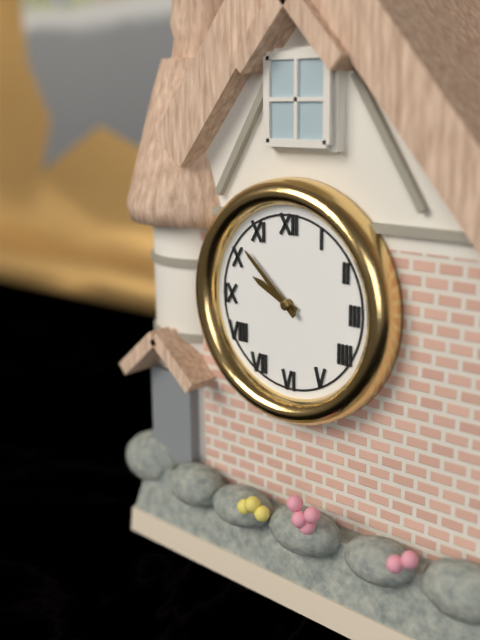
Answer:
9h52
